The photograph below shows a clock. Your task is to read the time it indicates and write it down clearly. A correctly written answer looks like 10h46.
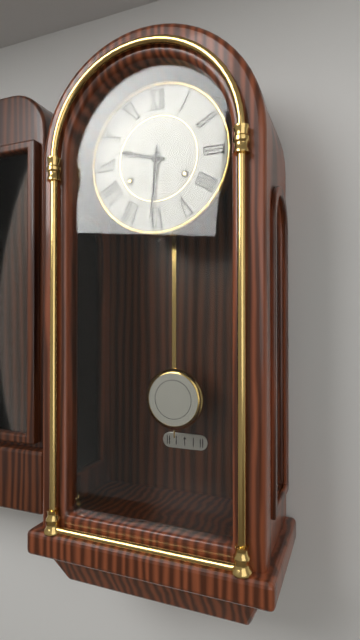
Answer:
9h31
